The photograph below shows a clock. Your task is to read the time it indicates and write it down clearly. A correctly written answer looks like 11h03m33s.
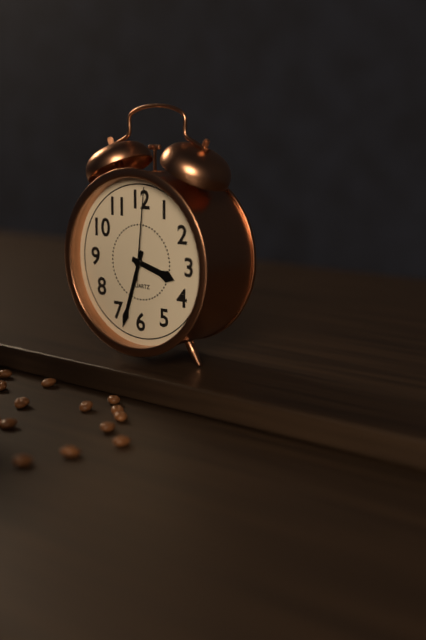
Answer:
3h33m01s
